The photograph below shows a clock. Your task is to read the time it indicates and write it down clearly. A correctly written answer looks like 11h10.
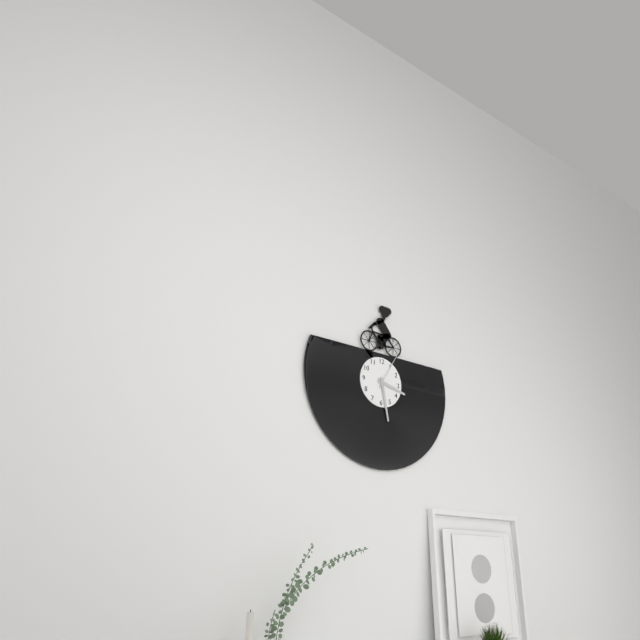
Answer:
3h28
